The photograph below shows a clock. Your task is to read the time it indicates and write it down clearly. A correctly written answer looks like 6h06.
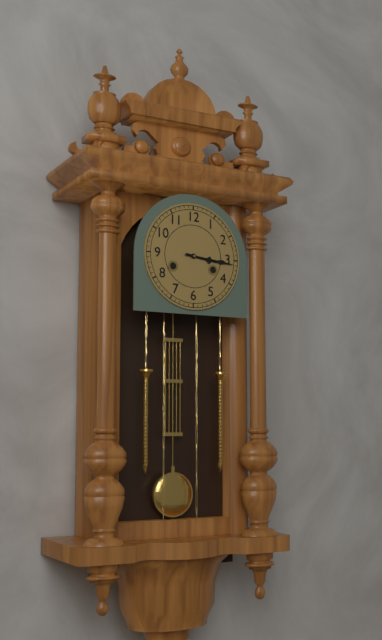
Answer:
3h16
